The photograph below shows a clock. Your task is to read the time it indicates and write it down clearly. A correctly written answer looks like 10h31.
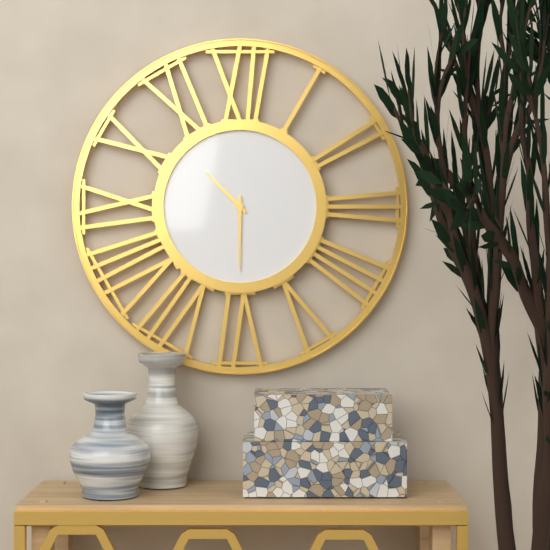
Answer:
10h30
